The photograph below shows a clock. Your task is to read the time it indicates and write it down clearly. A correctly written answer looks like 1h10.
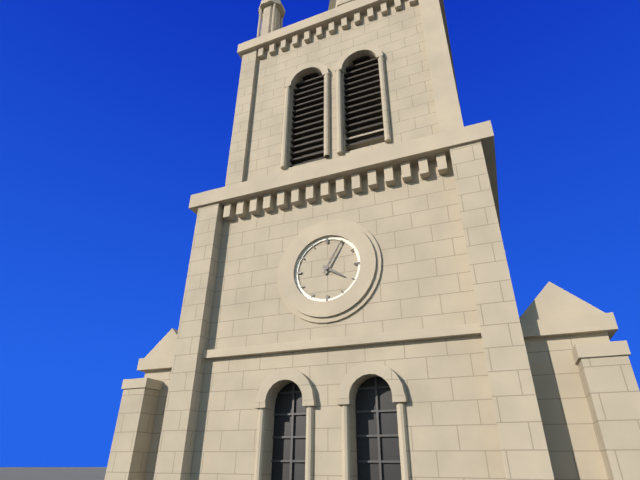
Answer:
4h05
